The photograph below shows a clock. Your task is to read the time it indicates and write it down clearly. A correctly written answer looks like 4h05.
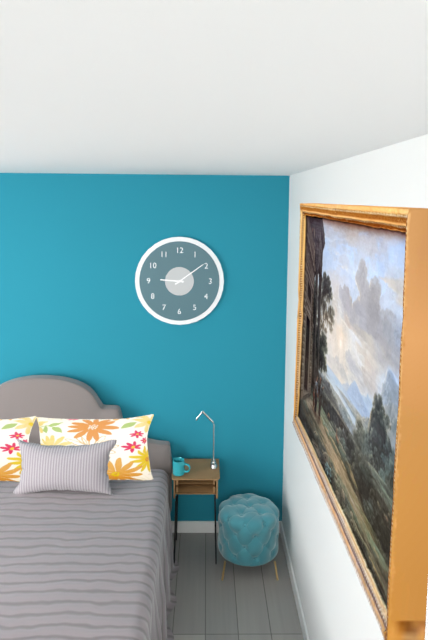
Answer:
9h09
